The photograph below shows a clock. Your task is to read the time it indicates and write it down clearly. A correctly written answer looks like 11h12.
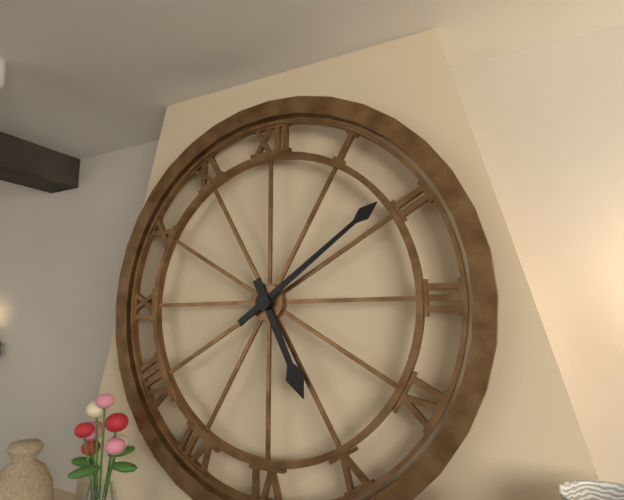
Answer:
5h09
